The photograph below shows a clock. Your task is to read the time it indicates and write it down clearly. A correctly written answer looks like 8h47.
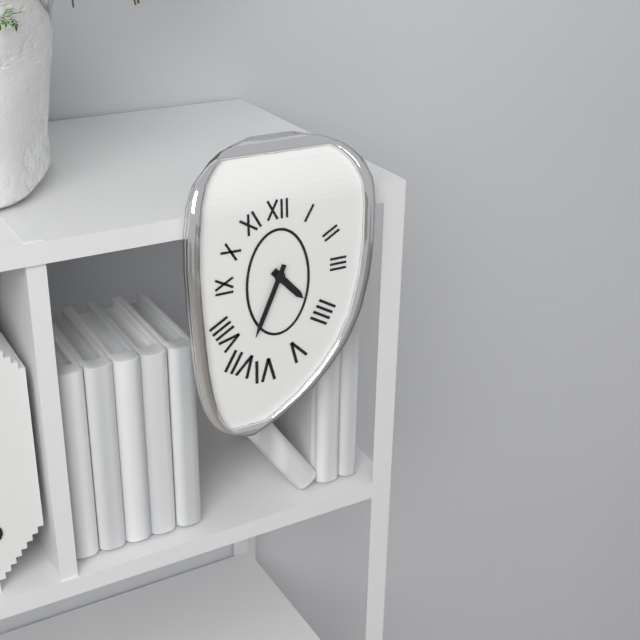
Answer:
4h34
